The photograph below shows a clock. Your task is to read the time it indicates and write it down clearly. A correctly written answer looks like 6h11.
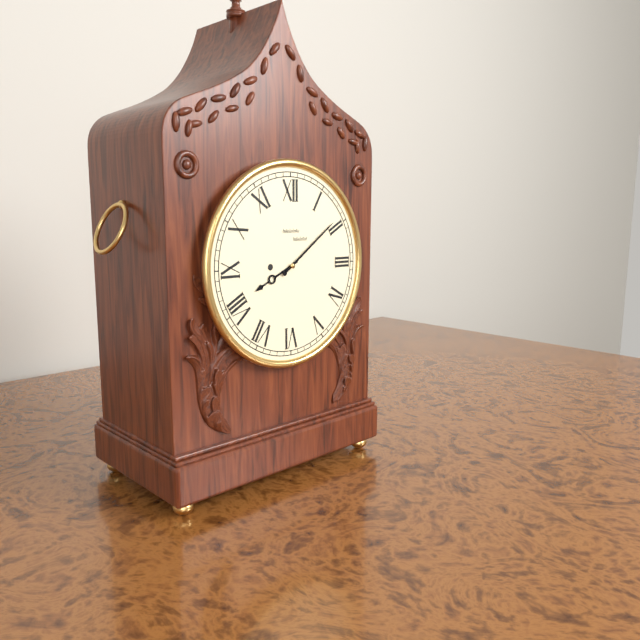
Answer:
8h09
